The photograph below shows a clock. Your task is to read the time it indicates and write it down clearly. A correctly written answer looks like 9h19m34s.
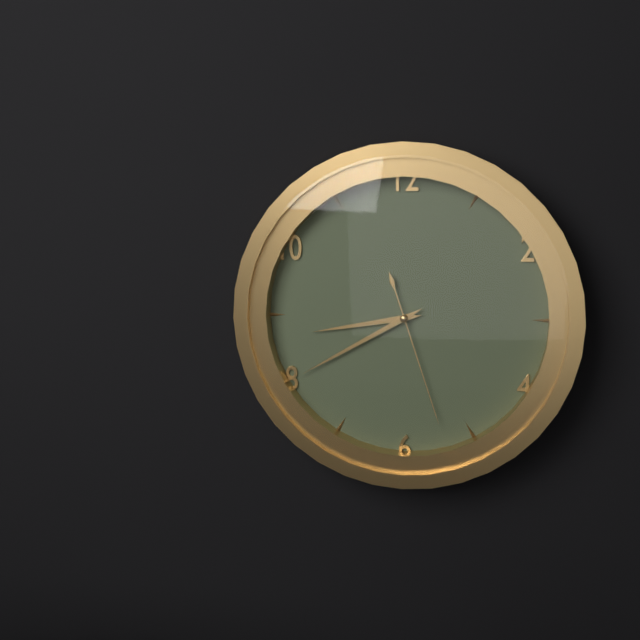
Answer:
8h40m27s
